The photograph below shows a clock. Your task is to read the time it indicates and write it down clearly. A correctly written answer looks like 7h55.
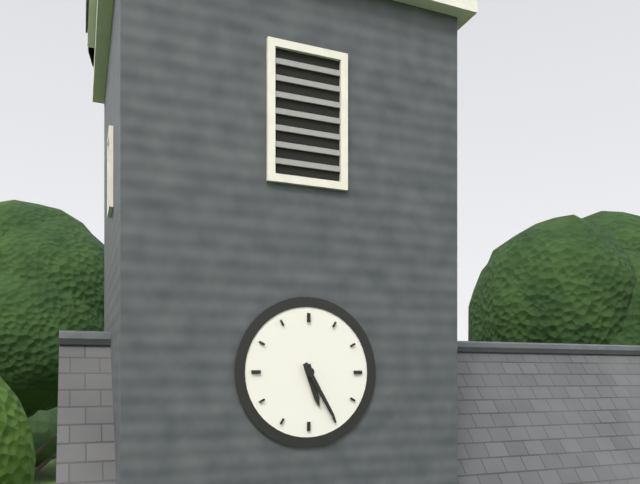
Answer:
5h25
